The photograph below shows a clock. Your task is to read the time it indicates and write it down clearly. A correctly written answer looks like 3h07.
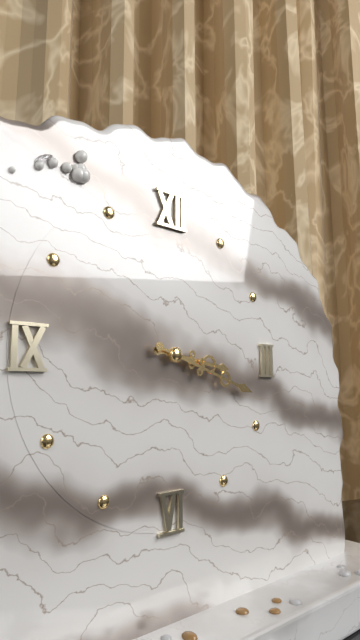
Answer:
3h18
